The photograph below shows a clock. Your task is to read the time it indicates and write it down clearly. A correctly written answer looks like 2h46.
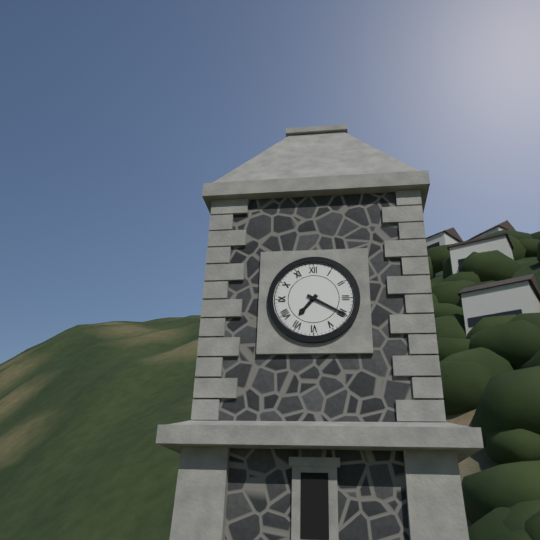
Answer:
7h20
